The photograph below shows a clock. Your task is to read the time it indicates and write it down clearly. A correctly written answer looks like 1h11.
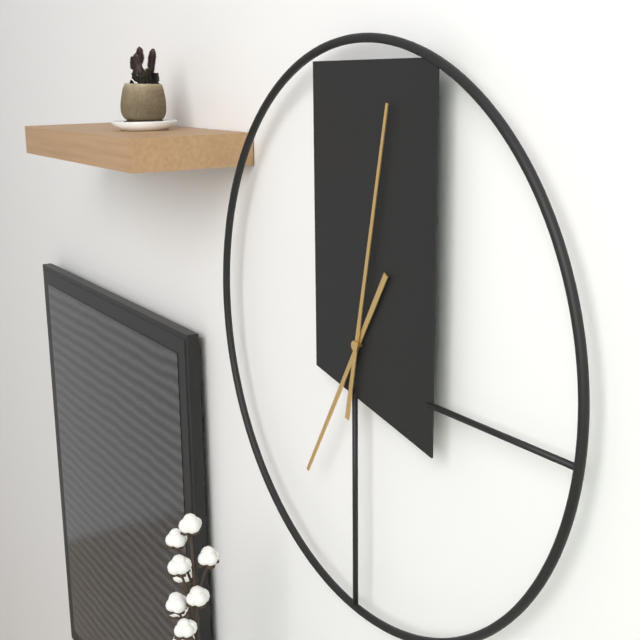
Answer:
7h02
